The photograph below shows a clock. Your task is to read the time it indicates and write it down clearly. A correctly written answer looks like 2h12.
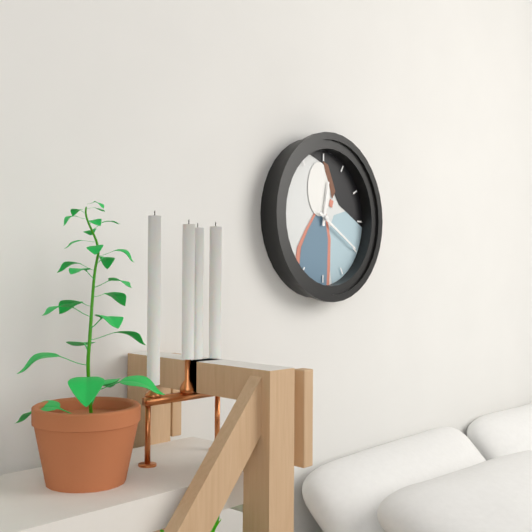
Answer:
12h20
